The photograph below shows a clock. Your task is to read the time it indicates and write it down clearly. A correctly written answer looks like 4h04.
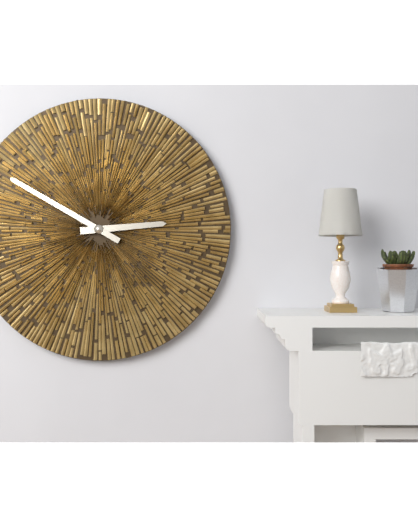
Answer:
2h50
